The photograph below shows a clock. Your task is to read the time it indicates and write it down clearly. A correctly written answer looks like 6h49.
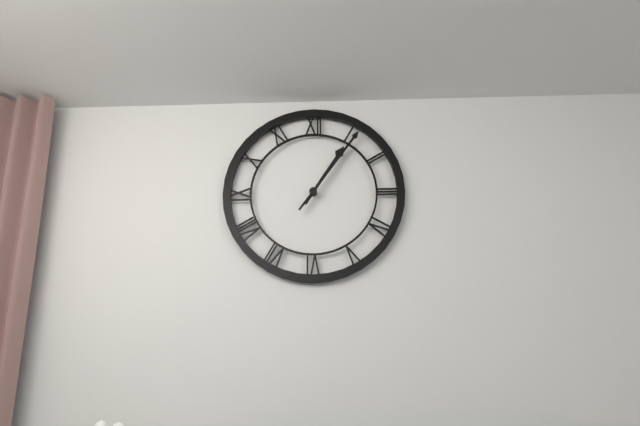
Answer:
1h06
